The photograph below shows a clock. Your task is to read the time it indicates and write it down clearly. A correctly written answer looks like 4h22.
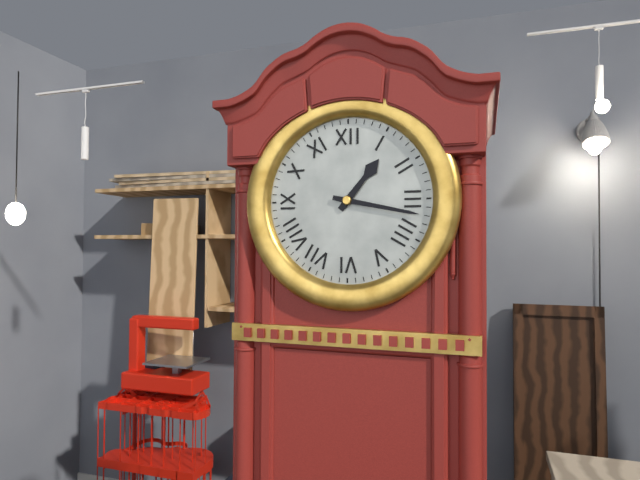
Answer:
1h17
